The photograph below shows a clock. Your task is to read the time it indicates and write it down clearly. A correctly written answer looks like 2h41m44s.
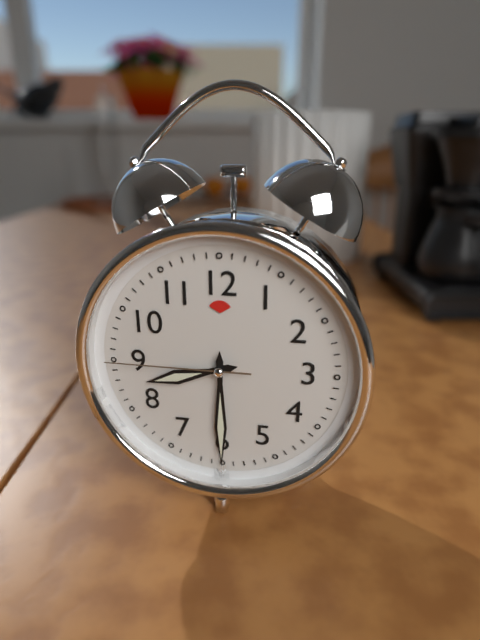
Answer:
8h30m45s
